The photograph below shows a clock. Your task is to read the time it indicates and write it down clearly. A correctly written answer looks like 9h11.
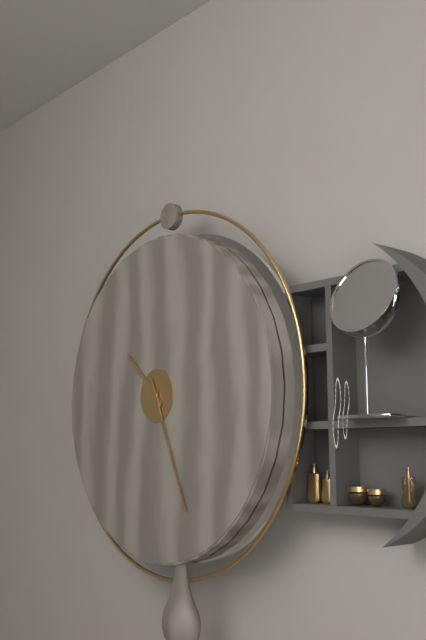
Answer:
10h26
